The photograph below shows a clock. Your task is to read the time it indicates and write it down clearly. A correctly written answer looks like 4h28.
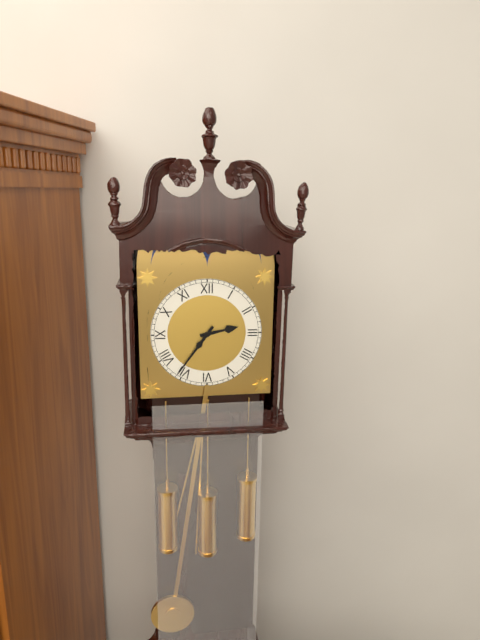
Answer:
2h36
